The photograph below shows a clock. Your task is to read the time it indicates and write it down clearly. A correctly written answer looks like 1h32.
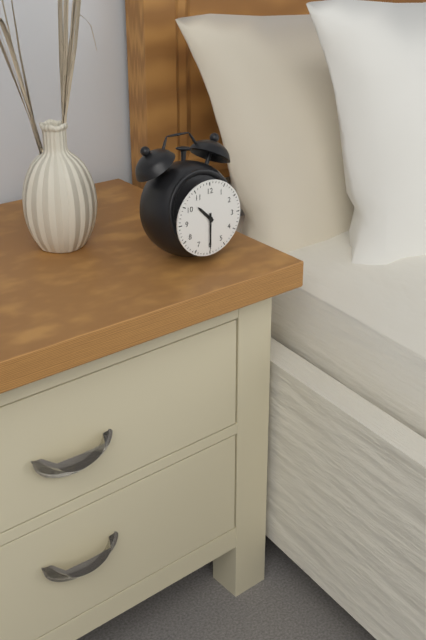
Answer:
10h30
